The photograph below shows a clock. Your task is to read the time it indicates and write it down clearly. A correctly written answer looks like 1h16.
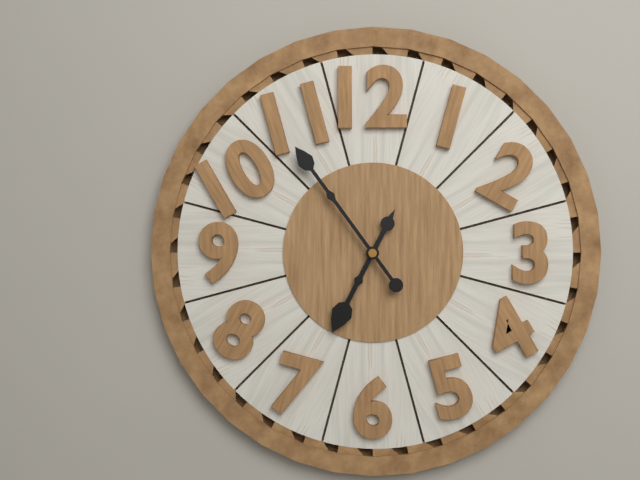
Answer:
6h54
